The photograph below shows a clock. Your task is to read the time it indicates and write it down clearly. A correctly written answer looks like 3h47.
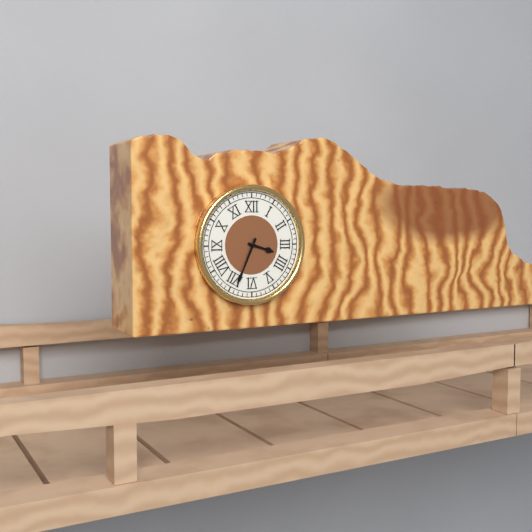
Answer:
3h34
